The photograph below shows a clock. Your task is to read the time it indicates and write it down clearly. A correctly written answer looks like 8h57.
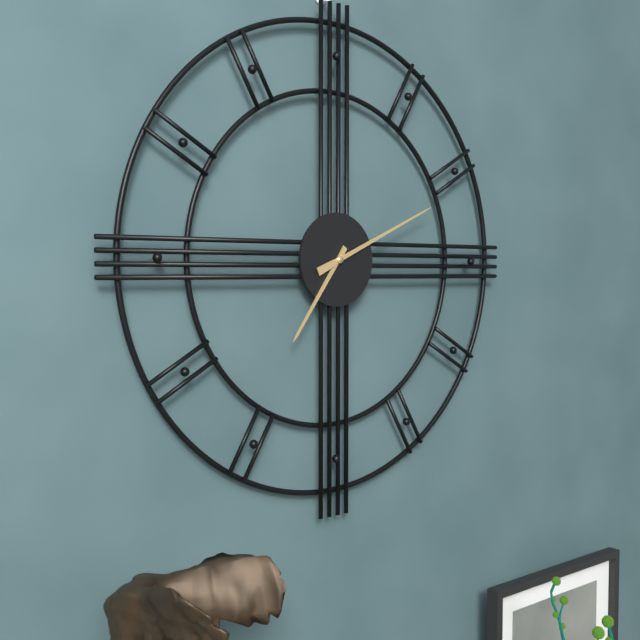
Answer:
7h11
